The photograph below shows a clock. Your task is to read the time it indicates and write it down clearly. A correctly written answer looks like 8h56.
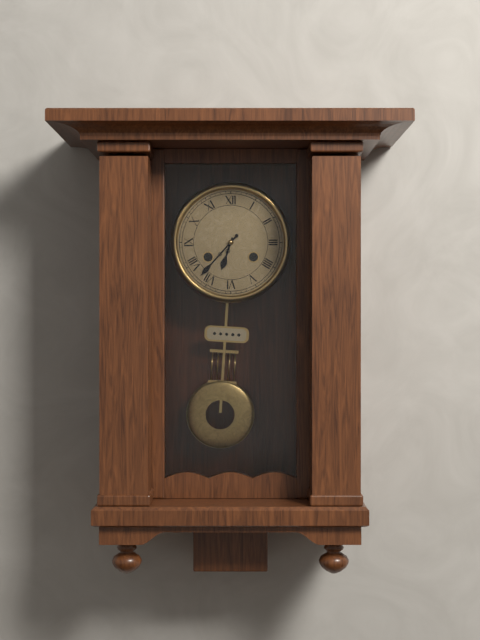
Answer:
6h37
